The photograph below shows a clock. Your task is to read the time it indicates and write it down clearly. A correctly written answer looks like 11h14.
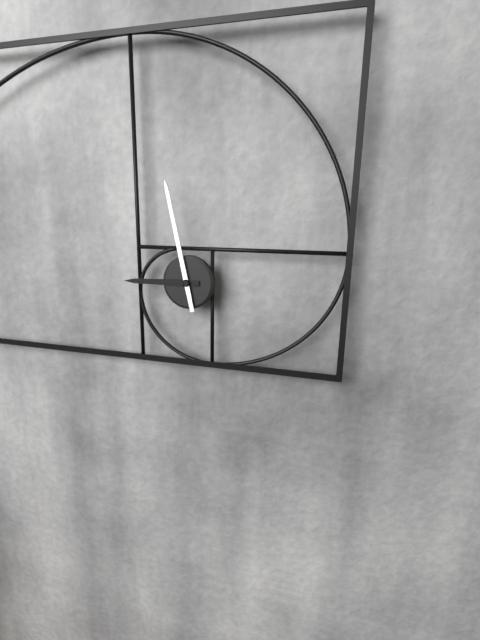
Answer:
8h58
